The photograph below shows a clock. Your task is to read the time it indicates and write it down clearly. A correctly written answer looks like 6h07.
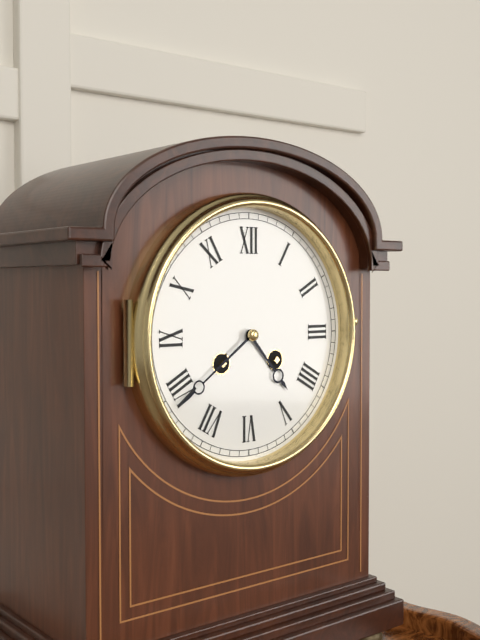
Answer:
4h39
